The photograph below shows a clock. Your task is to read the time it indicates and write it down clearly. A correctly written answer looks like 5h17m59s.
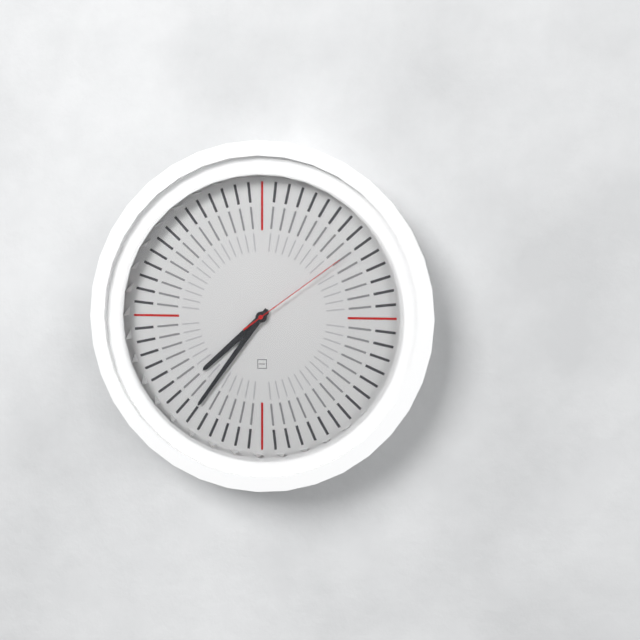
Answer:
7h36m09s
